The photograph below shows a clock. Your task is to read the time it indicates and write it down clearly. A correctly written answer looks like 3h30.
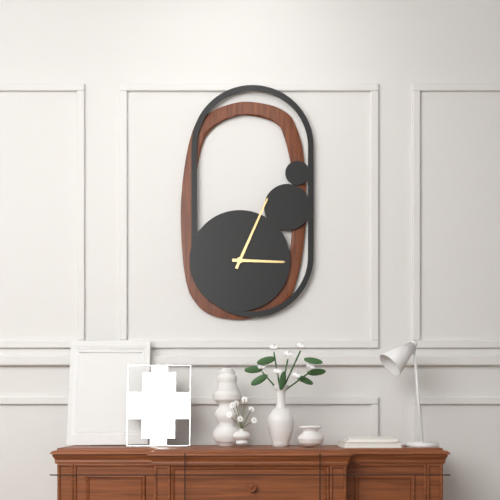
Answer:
3h04
